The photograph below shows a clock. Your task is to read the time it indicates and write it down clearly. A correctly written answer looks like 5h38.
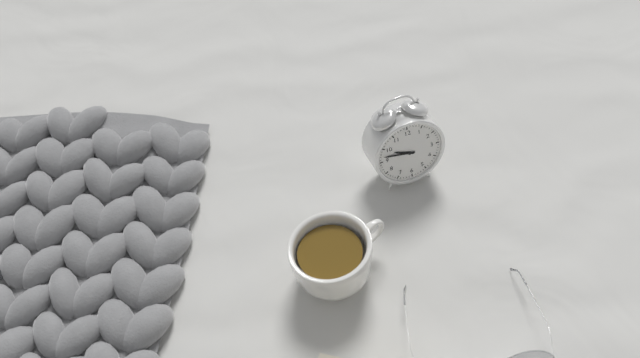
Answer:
9h47
